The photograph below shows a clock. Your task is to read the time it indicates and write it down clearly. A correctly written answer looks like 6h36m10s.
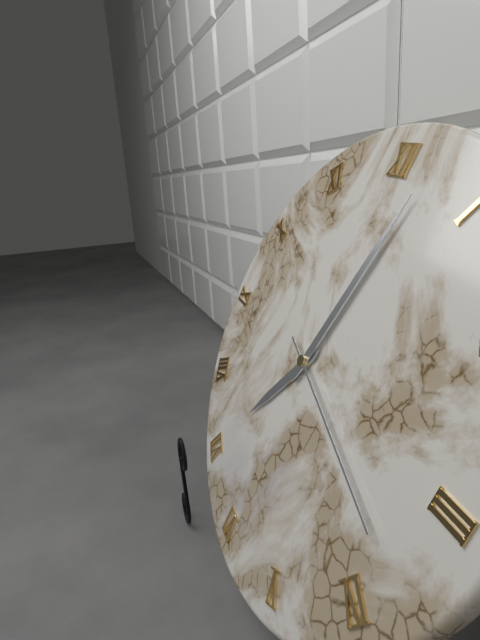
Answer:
7h02m18s
